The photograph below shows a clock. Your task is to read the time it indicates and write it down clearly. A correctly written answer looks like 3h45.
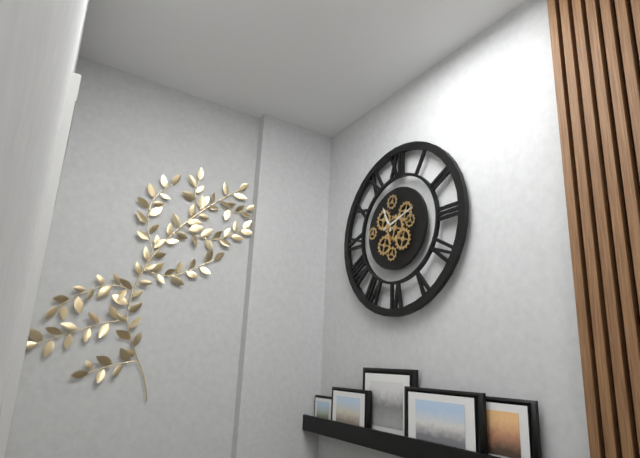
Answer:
11h12
